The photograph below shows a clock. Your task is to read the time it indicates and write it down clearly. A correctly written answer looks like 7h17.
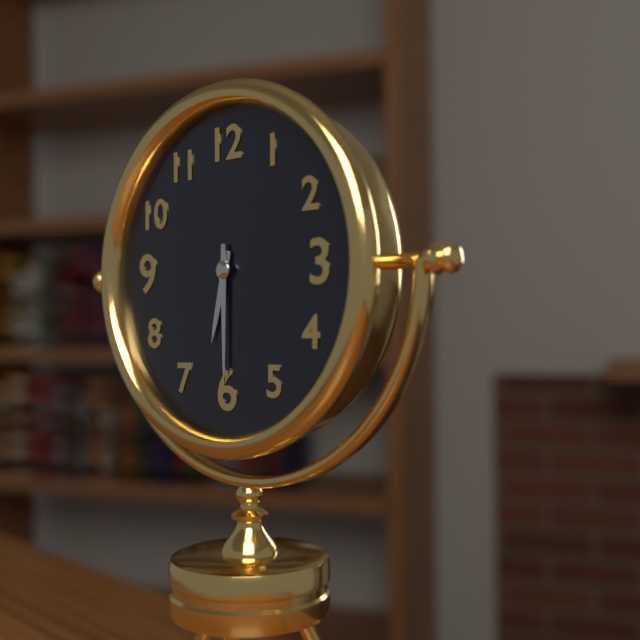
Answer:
6h30
